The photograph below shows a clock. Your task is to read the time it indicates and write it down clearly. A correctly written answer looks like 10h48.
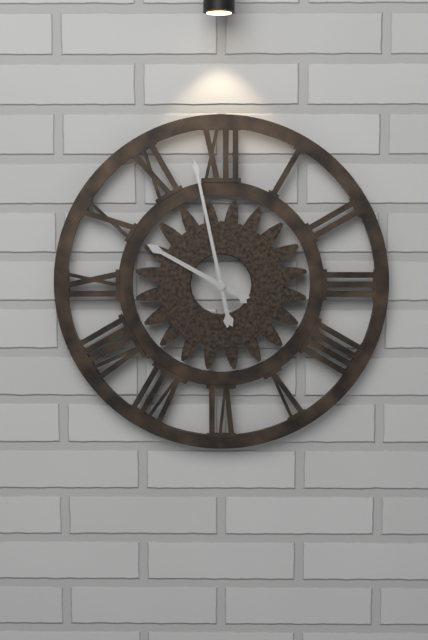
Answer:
9h58
